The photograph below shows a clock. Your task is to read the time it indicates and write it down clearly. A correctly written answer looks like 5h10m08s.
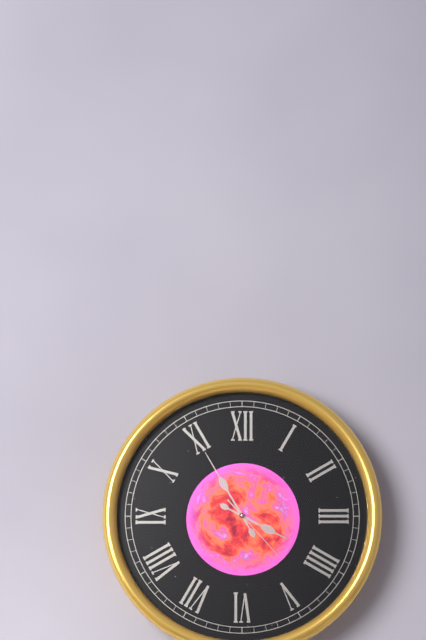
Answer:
3h55m23s
